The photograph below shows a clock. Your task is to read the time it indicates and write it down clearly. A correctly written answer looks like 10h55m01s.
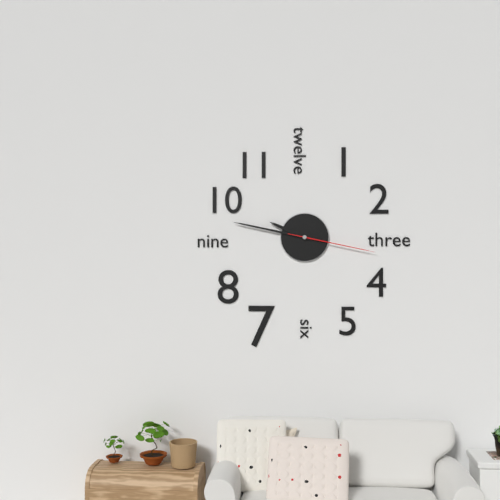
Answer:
9h47m17s
